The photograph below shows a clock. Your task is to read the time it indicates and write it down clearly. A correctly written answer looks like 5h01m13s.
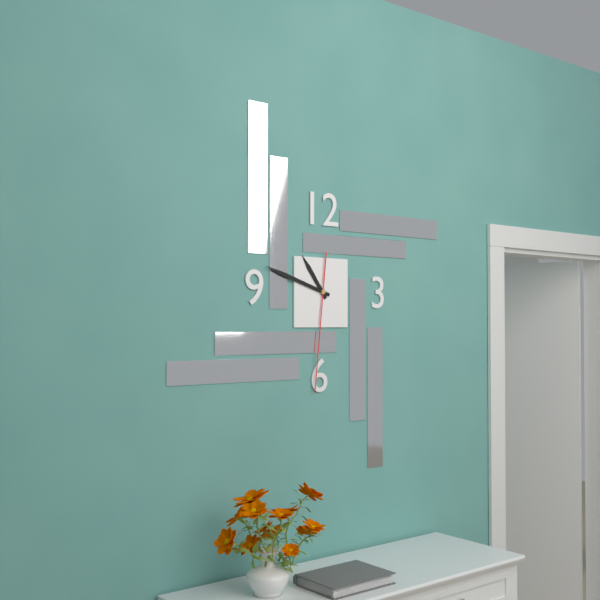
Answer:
10h48m31s
